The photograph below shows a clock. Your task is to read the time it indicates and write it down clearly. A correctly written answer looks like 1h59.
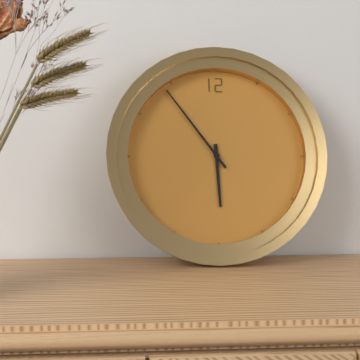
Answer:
5h54
